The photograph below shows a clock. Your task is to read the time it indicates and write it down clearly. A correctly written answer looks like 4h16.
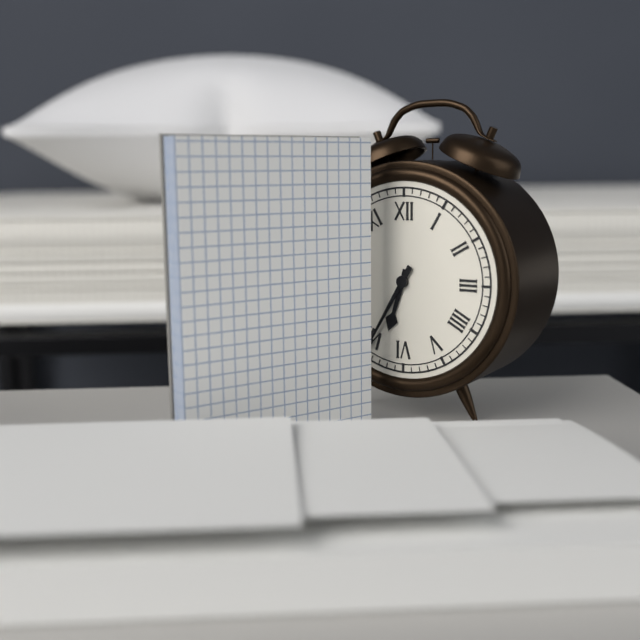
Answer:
6h35
